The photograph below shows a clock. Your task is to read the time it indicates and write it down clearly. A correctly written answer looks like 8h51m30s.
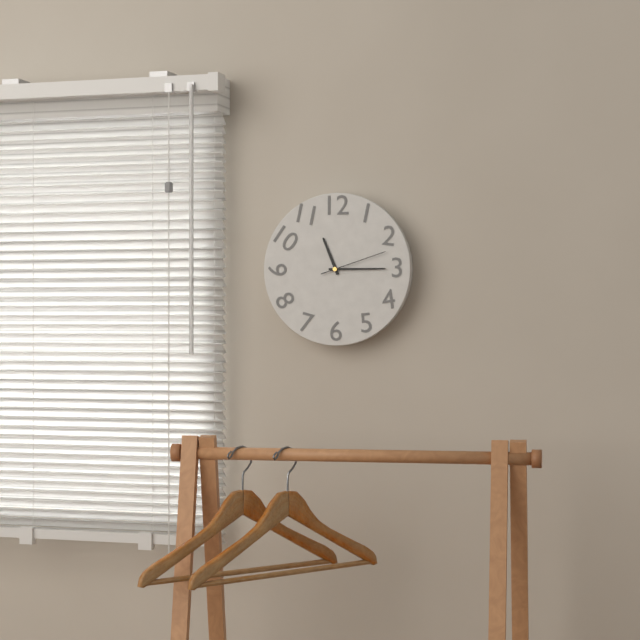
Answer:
11h15m12s
